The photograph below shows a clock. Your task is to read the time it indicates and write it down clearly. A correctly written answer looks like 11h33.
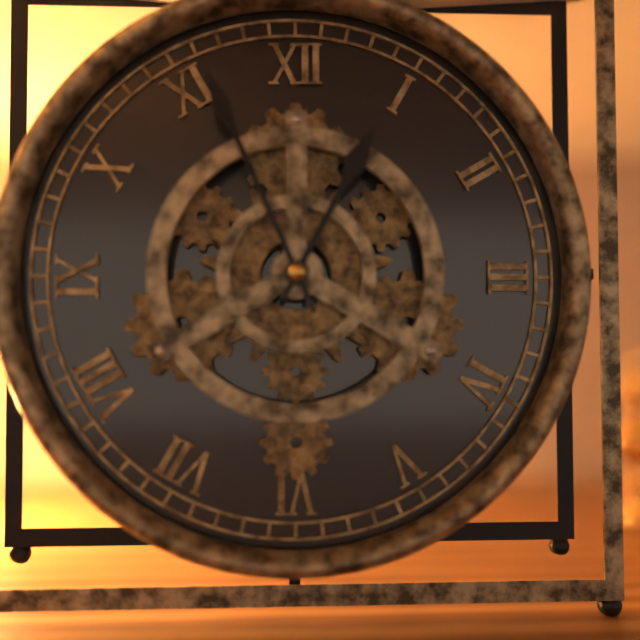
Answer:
12h56
